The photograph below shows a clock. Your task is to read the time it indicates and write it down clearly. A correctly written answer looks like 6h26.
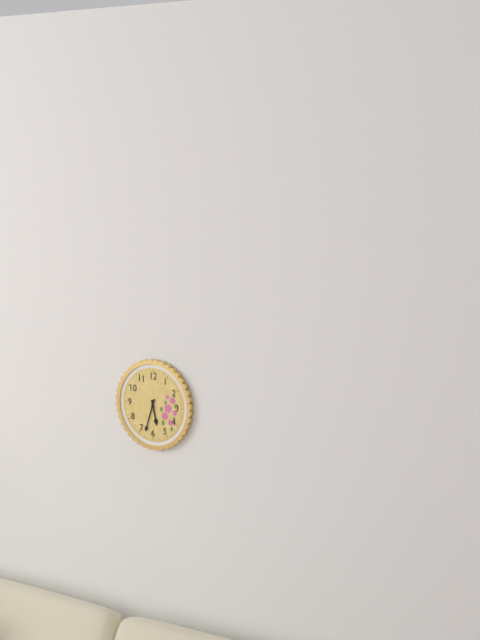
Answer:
5h33
